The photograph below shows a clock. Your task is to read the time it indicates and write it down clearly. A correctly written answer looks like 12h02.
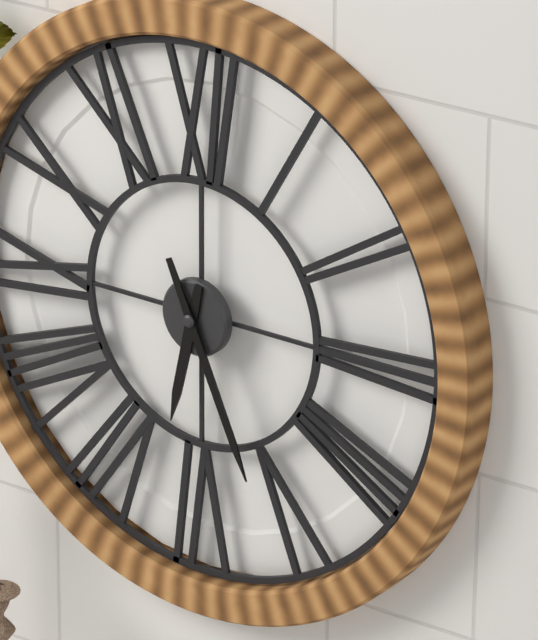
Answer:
6h26
